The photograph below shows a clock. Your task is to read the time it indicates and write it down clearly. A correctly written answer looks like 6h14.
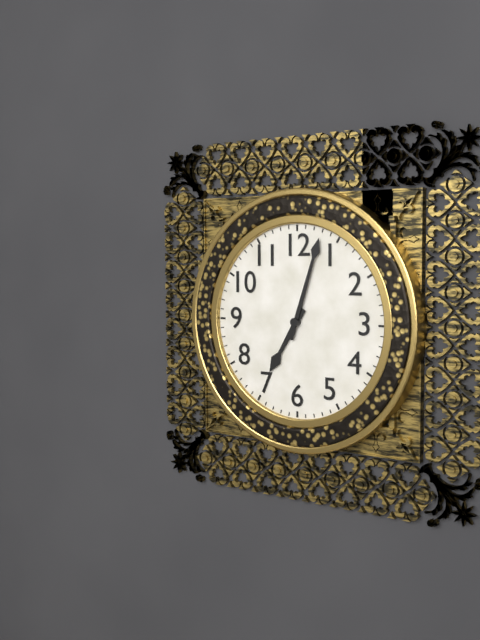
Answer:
7h03
